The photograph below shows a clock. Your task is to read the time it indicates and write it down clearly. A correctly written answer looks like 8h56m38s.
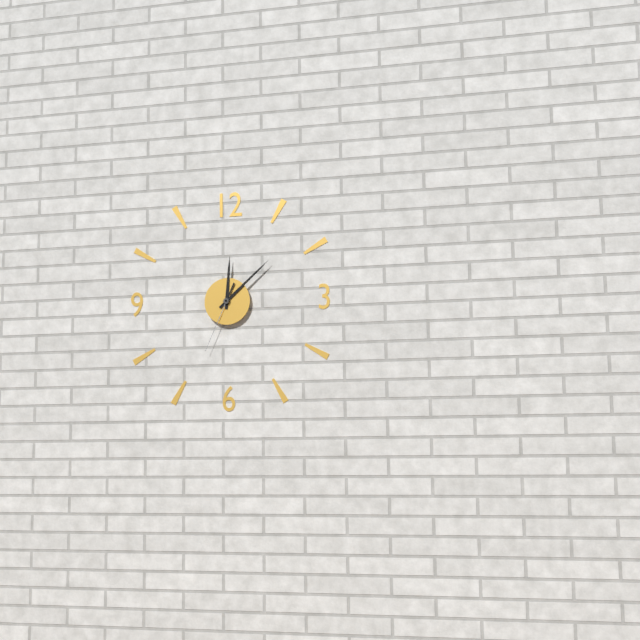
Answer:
12h08m34s
